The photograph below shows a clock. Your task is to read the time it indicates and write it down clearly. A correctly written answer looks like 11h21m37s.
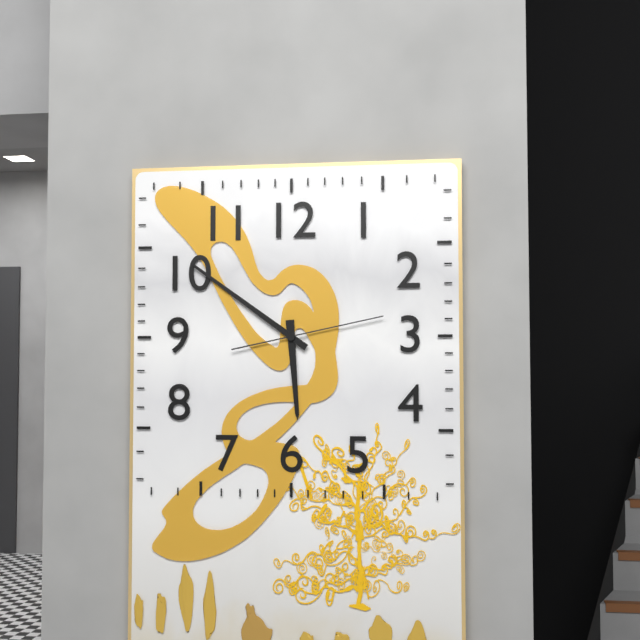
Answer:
5h51m13s
